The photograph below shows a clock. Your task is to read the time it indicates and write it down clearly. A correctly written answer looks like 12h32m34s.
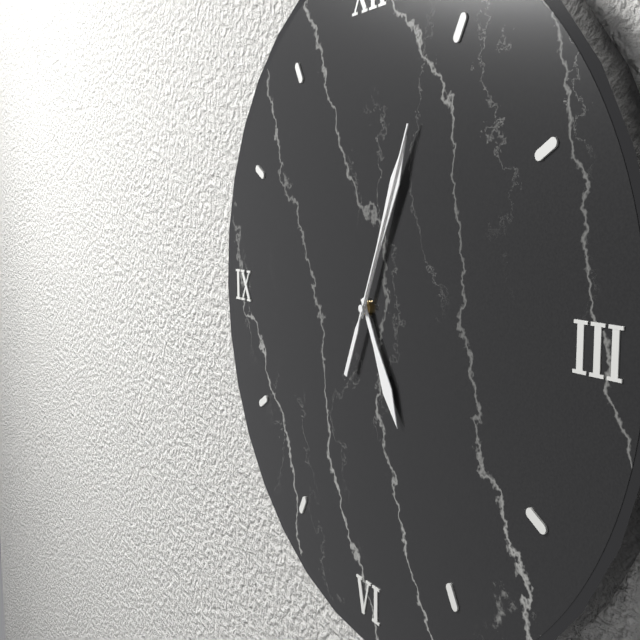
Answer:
5h04m04s
